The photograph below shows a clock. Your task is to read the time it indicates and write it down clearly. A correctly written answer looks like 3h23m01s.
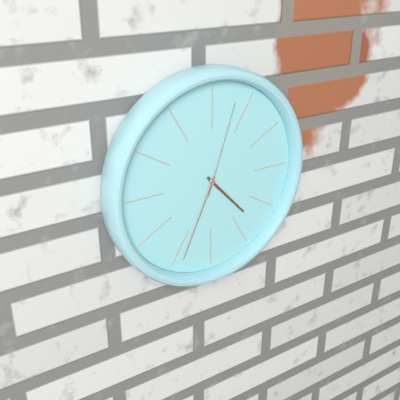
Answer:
4h34m03s
